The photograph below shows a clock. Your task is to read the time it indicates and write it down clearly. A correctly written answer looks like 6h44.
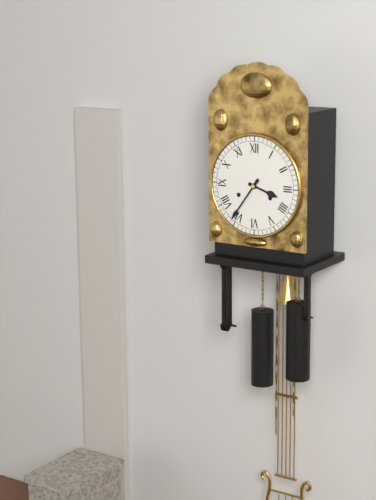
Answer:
3h36
